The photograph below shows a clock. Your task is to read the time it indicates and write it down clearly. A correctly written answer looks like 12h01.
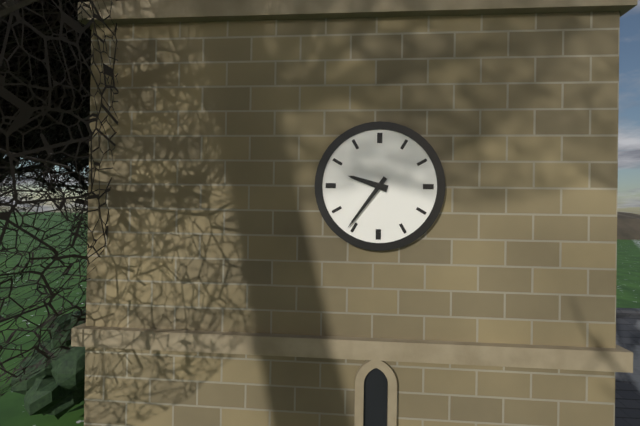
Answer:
9h36
